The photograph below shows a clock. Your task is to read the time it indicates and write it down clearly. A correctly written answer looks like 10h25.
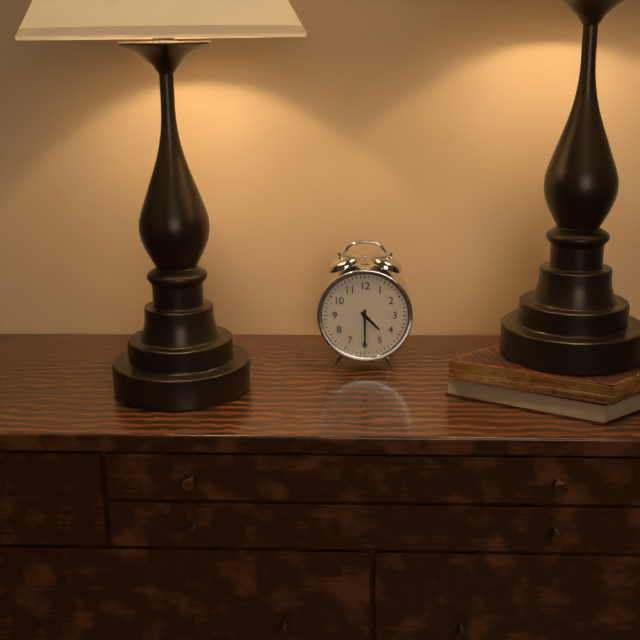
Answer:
4h30
